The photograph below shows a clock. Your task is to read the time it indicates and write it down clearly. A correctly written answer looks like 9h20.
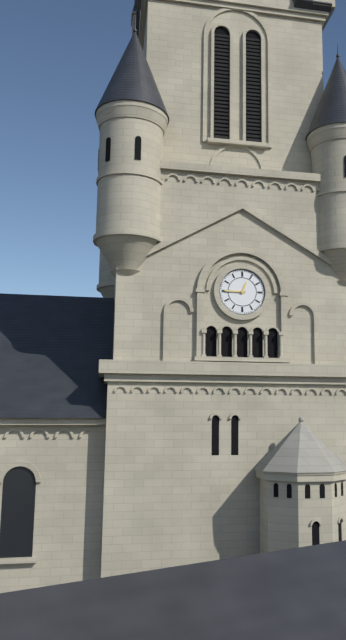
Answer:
12h45
